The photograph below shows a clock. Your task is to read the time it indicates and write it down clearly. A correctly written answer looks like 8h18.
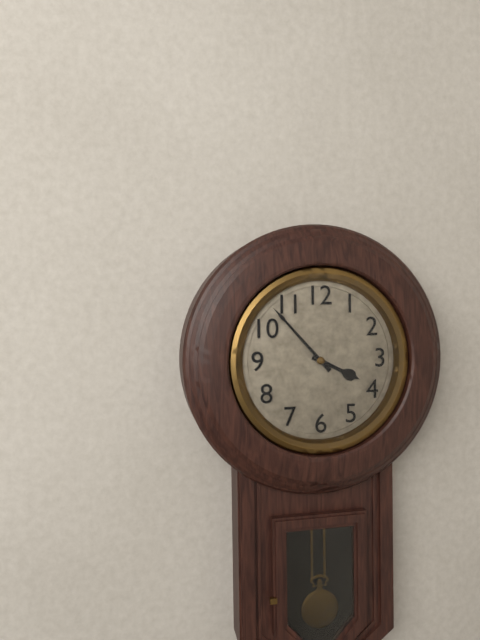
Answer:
3h53
